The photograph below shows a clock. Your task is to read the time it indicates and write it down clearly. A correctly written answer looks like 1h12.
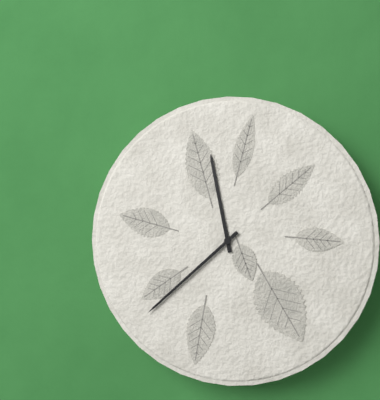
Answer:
11h38
